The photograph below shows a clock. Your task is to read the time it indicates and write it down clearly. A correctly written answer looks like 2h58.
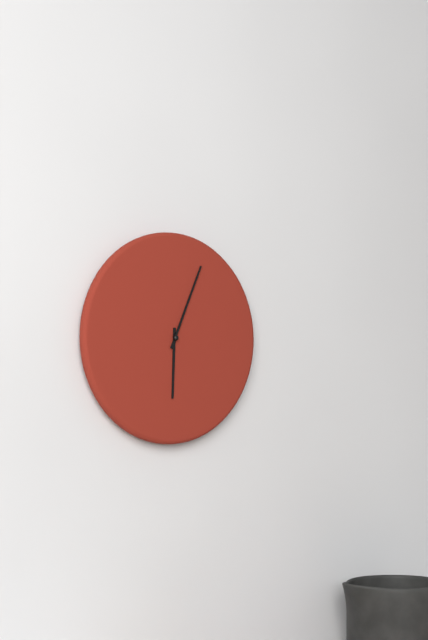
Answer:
6h04
